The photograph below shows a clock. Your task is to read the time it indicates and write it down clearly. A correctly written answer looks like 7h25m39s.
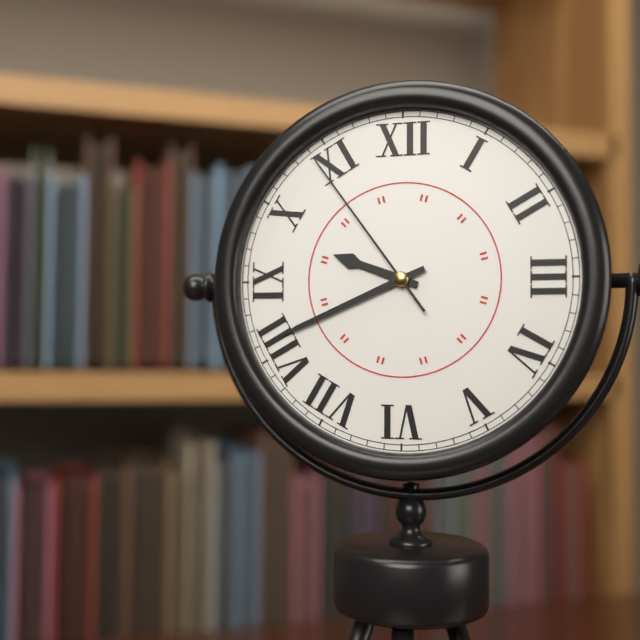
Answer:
9h41m54s
